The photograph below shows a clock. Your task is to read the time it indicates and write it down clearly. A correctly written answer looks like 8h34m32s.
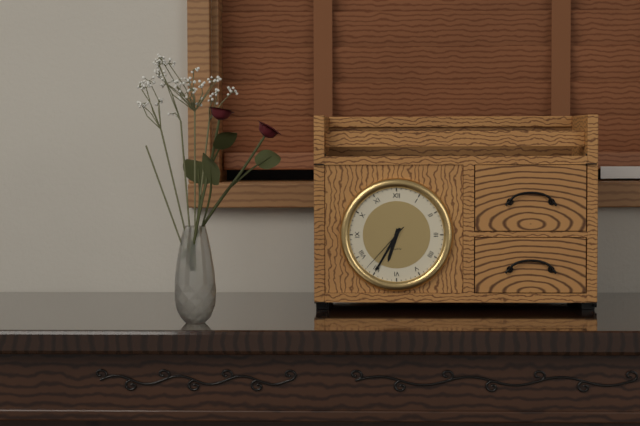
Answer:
6h35m37s
